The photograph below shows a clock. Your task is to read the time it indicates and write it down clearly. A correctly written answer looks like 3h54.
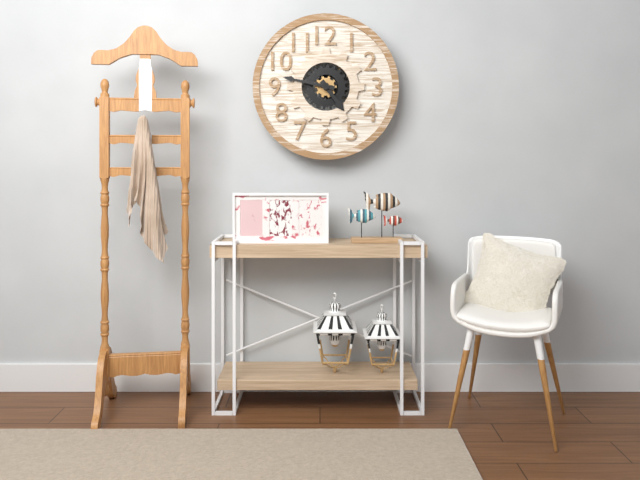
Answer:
4h47
